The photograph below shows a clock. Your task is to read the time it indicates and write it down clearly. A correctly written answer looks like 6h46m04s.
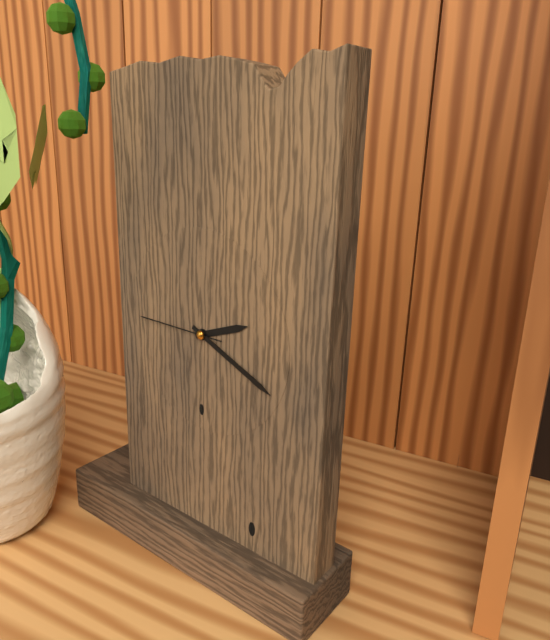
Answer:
2h19m45s
